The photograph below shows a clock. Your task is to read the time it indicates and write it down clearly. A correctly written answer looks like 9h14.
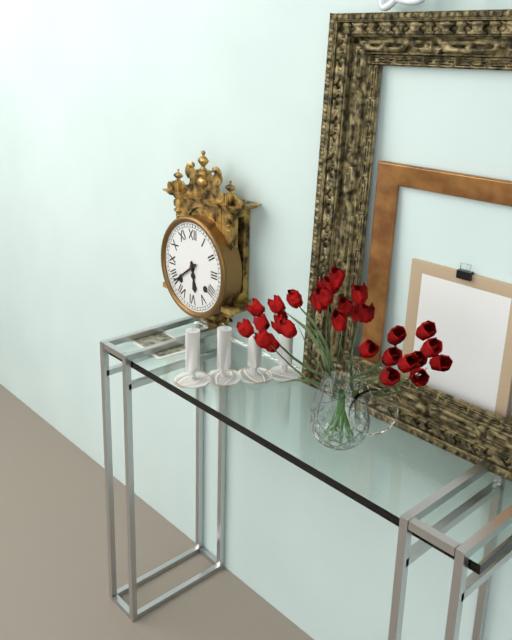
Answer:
5h39
